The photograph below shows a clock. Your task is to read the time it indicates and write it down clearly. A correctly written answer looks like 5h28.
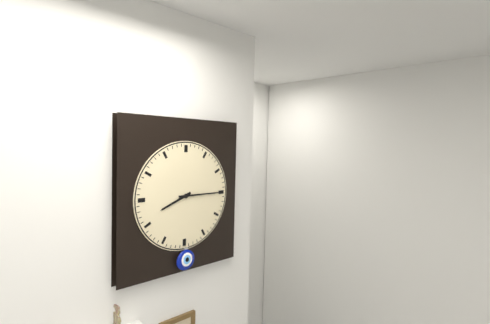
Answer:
8h15
